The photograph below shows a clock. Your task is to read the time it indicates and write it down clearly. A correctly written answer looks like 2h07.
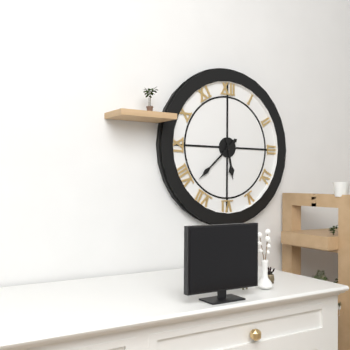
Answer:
5h38
